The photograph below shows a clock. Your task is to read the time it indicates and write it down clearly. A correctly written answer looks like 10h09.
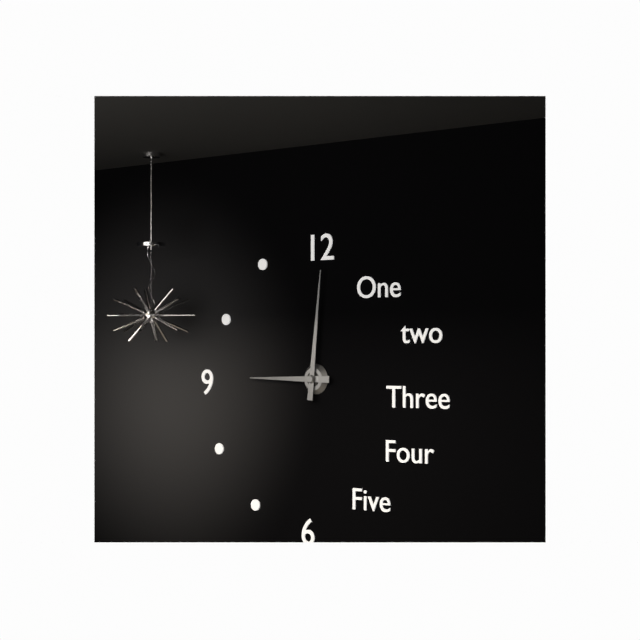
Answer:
9h01
